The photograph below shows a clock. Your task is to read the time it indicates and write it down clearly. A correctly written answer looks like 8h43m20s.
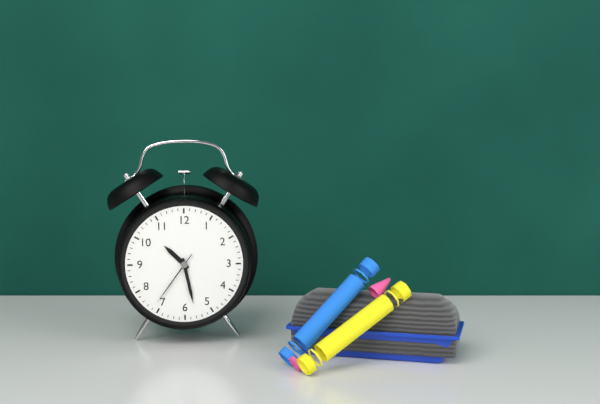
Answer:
10h28m36s
